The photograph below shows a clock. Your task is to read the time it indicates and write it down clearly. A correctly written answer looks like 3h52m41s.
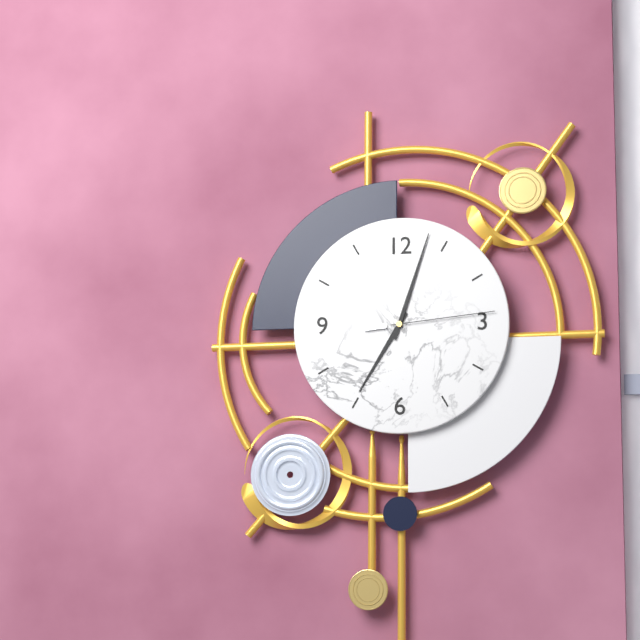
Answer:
7h03m14s
